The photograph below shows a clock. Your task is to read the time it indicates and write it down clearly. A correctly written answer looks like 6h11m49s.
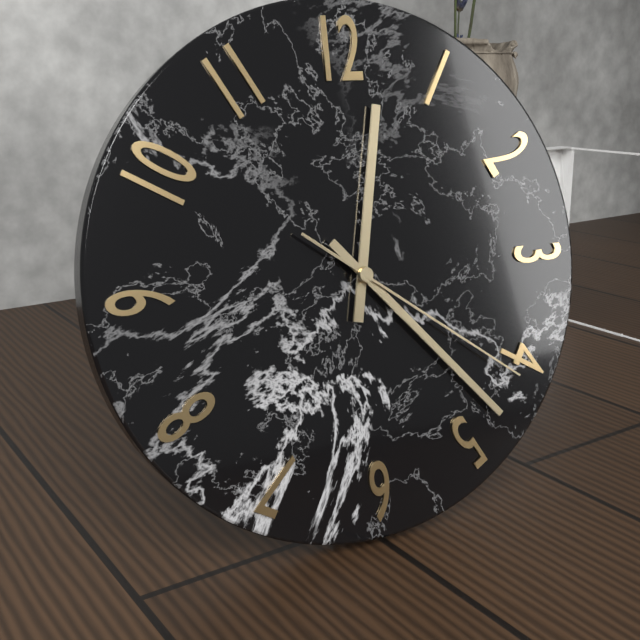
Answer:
12h23m21s
